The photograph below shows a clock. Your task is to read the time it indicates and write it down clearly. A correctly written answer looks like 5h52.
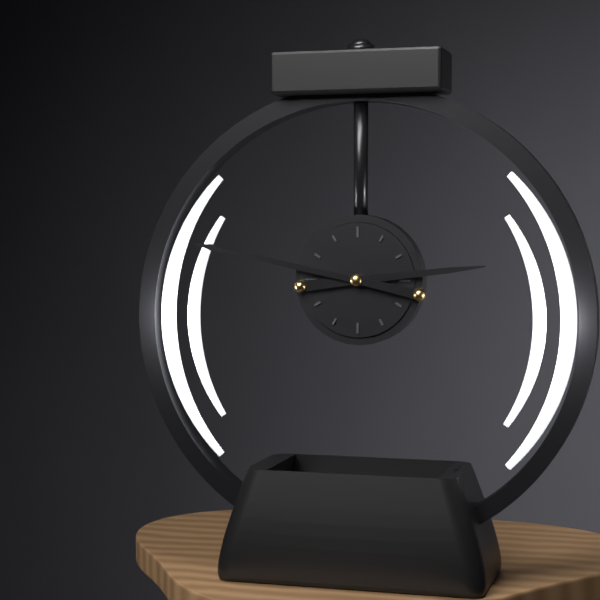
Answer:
2h47
